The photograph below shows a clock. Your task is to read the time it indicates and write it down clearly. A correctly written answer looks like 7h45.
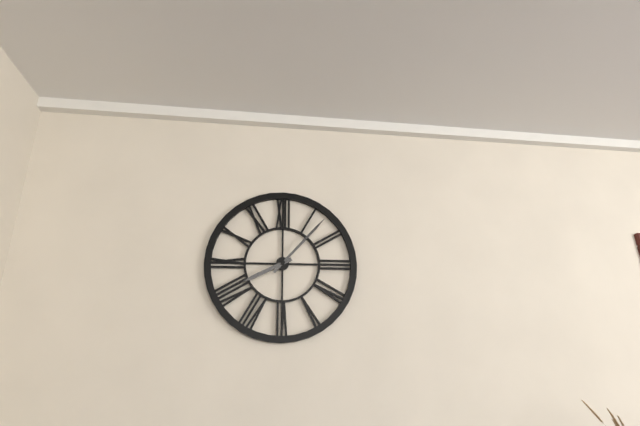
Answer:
8h07
